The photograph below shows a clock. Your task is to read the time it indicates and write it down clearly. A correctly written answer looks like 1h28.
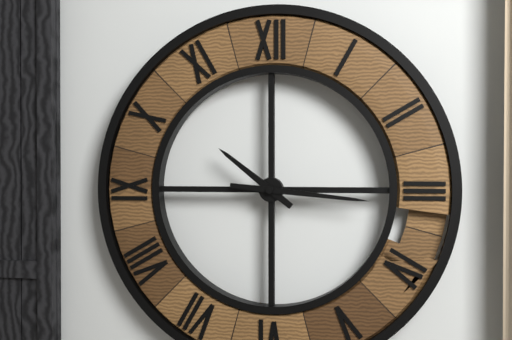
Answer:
10h16
